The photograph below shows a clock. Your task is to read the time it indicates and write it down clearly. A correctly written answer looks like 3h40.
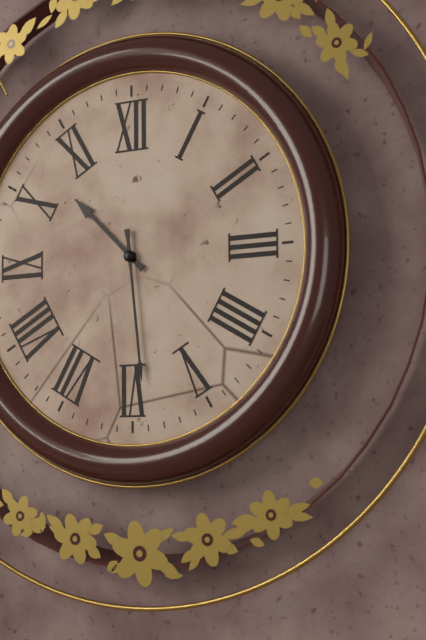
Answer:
10h29
